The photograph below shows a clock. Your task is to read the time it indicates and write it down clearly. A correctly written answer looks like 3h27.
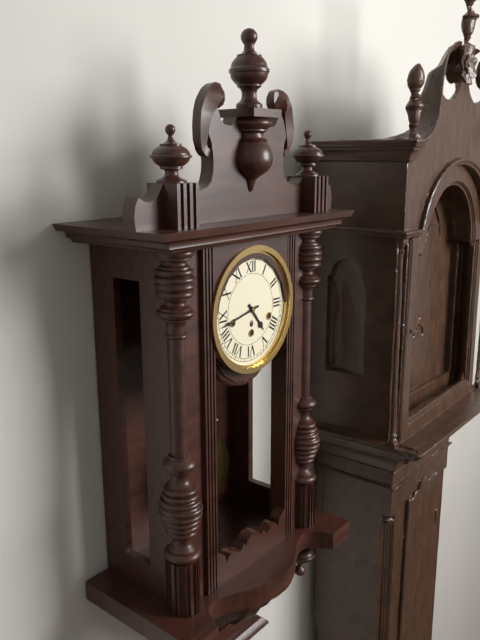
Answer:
4h43
